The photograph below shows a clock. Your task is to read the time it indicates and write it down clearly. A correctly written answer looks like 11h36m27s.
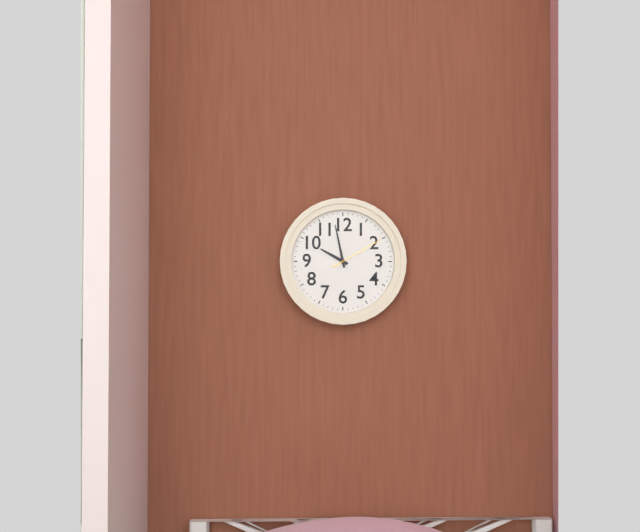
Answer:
9h58m10s
